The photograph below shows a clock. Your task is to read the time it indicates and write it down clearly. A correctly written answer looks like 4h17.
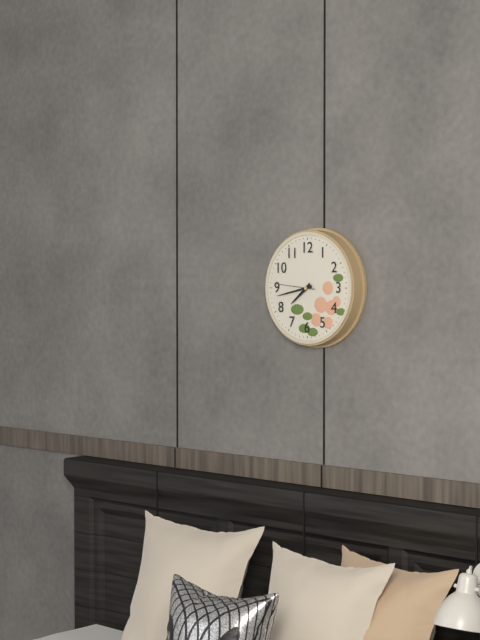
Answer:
7h43
